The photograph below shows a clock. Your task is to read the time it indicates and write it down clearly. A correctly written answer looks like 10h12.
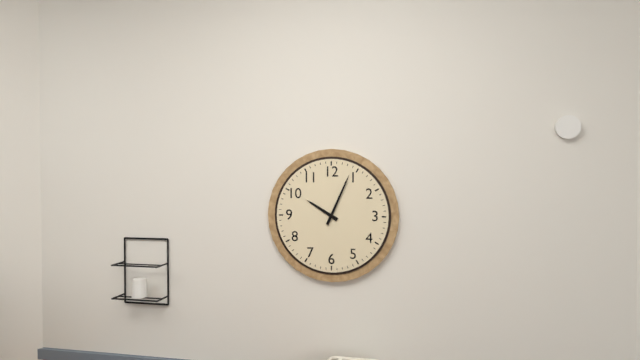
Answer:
10h04
